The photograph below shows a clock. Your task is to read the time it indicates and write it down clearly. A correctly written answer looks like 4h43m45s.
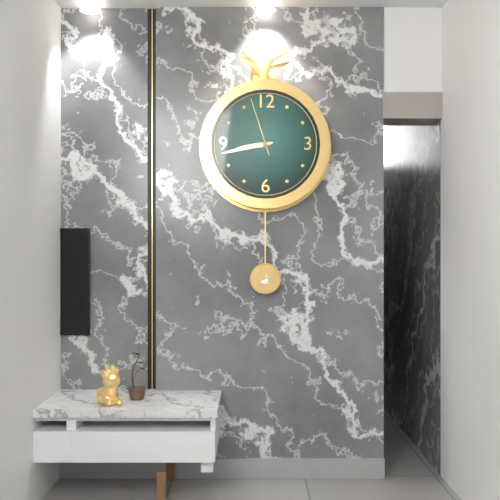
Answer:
8h43m57s
